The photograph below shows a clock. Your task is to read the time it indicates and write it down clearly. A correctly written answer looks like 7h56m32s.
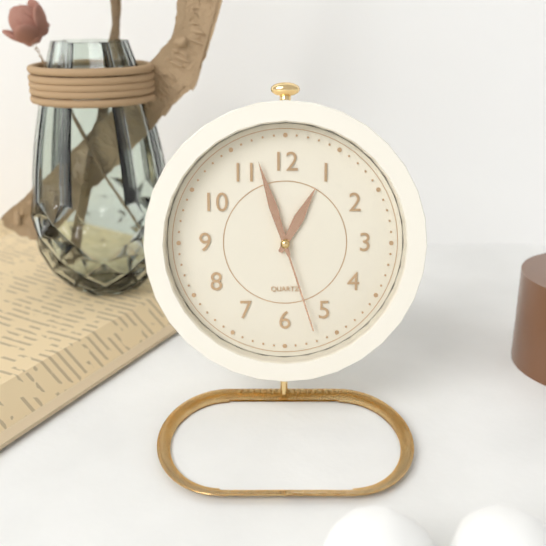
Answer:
12h57m27s
